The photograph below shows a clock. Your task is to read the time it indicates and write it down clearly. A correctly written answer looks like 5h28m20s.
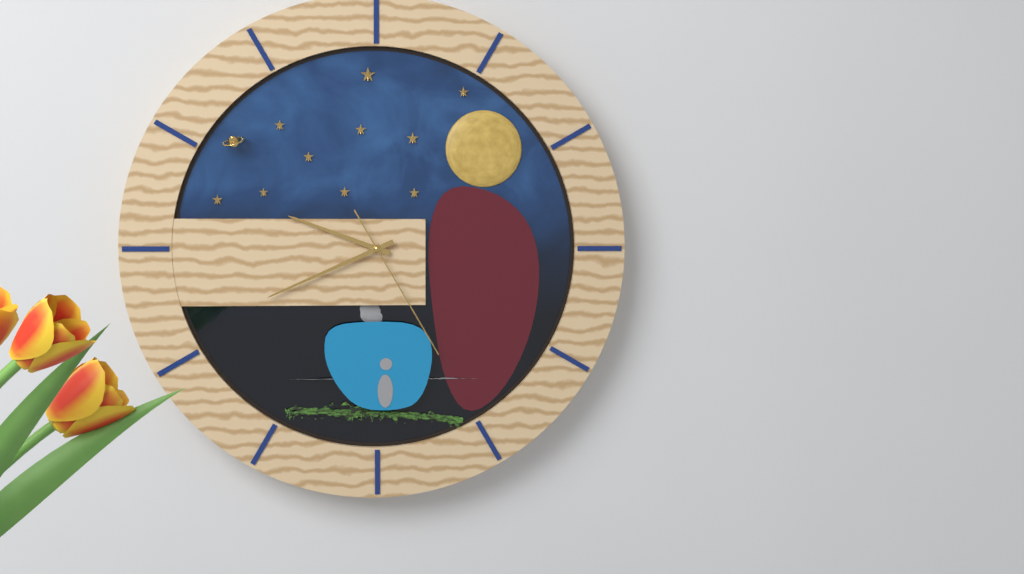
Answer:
9h41m25s
